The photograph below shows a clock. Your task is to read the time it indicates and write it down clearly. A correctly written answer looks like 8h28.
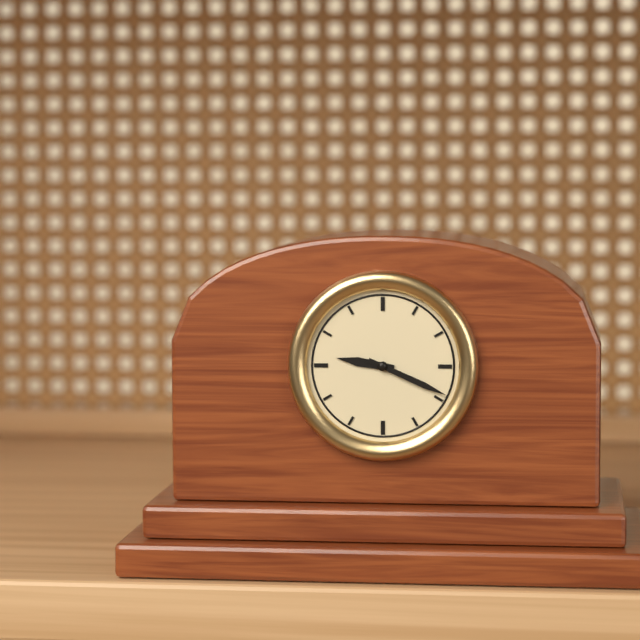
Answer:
9h19
